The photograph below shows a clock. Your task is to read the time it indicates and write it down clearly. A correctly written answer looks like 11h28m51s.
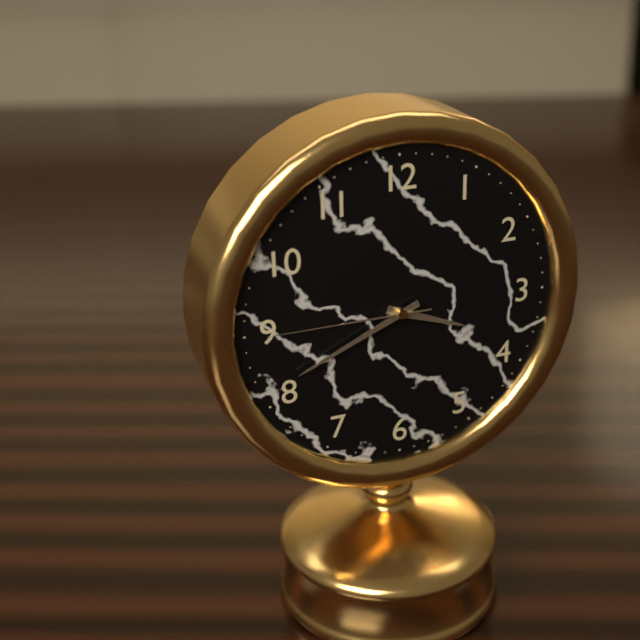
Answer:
3h41m45s
